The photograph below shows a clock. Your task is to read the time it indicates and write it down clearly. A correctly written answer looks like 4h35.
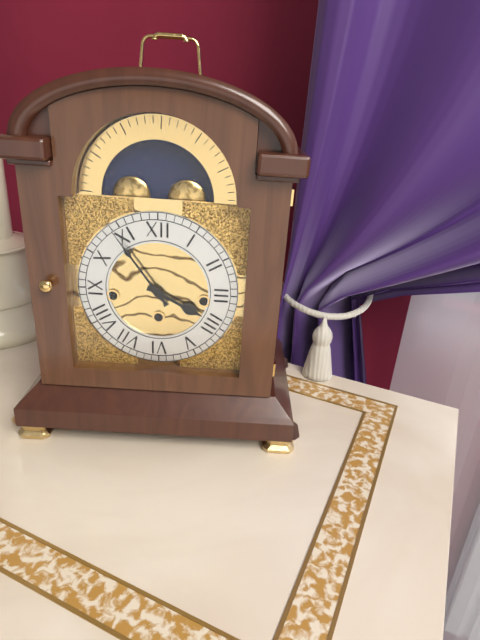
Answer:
3h54
